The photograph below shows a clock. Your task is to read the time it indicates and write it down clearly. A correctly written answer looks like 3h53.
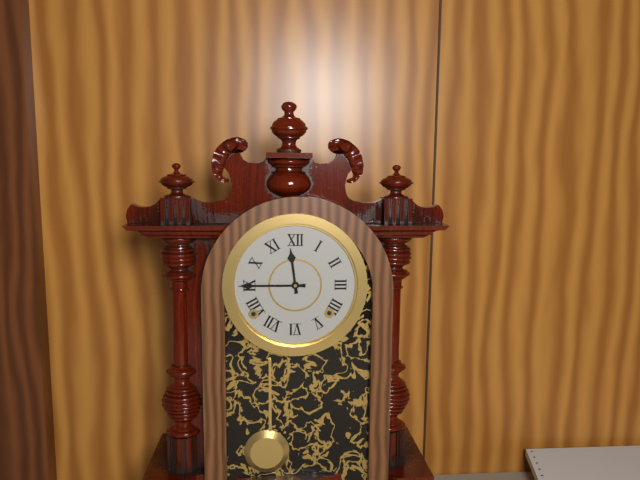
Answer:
11h45
